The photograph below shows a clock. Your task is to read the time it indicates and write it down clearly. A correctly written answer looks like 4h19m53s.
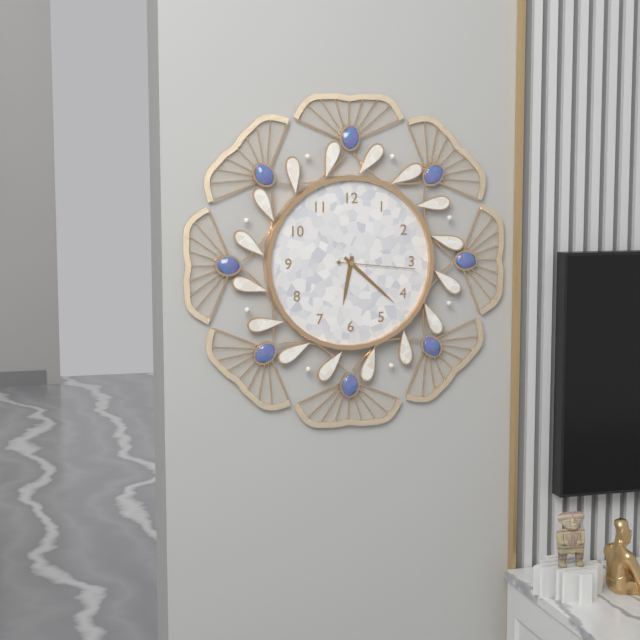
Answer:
6h22m16s
